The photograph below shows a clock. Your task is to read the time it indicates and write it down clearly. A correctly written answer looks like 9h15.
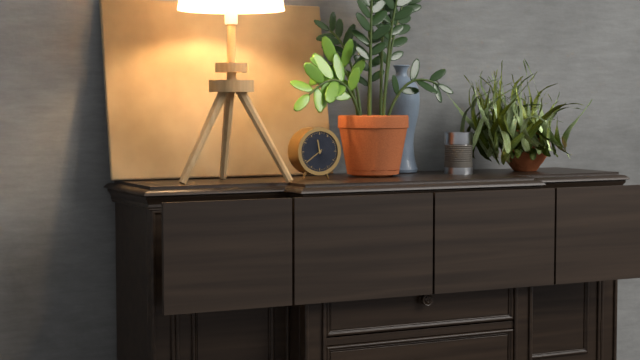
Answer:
11h39
